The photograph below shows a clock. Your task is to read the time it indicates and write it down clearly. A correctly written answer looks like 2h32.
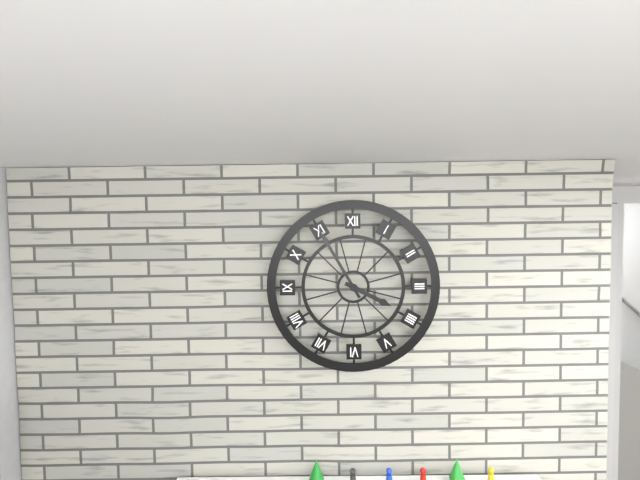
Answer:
3h55
